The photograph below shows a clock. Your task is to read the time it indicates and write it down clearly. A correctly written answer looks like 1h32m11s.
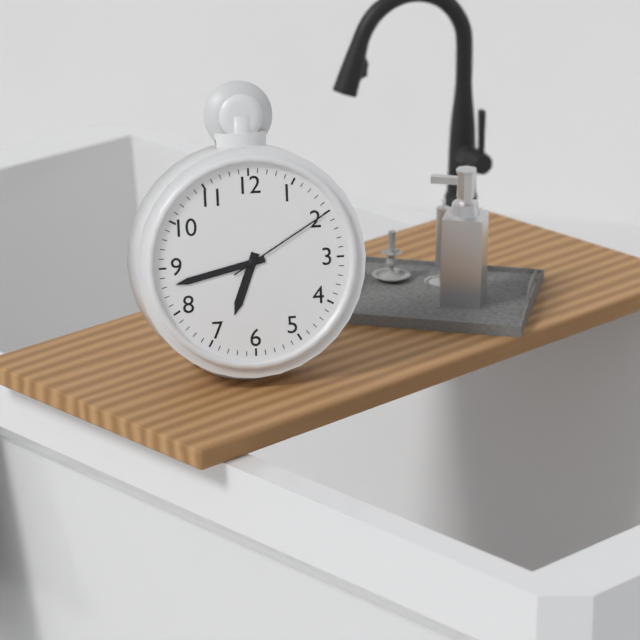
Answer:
6h43m10s
